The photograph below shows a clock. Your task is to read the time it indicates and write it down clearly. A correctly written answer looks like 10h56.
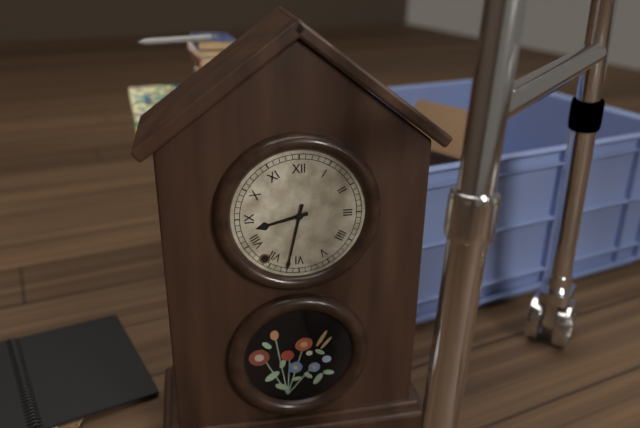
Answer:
8h32
